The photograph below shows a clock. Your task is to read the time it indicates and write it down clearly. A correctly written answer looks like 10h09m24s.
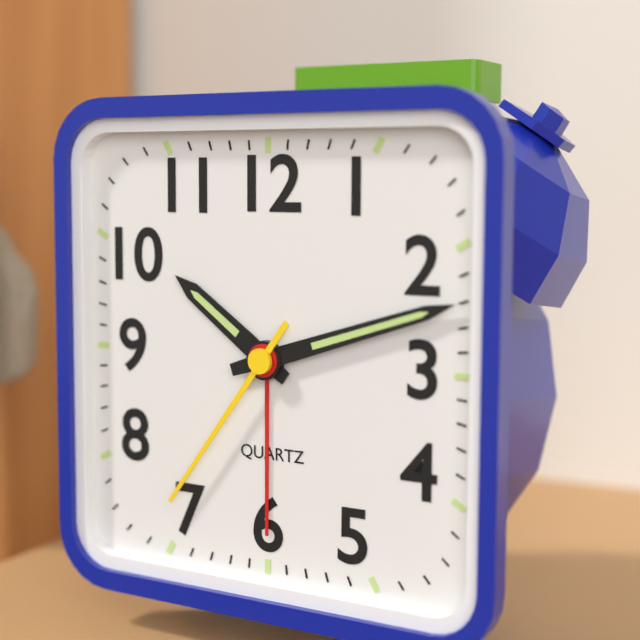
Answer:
10h12m36s
